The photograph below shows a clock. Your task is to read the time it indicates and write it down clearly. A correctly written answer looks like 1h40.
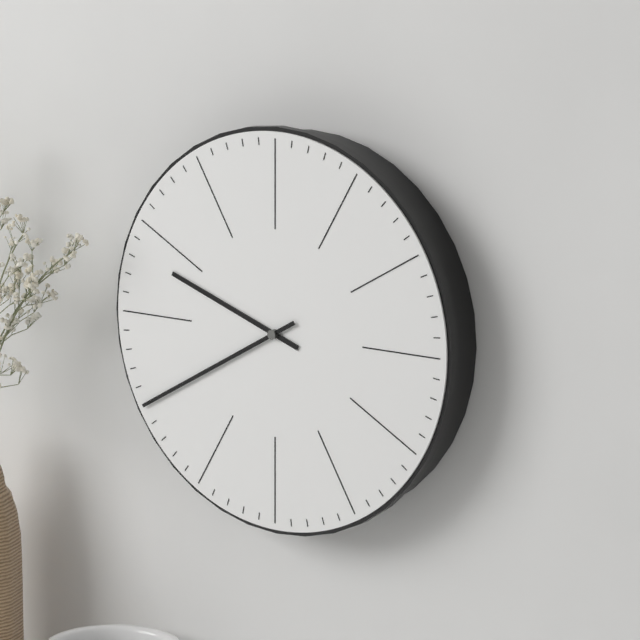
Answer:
9h40
